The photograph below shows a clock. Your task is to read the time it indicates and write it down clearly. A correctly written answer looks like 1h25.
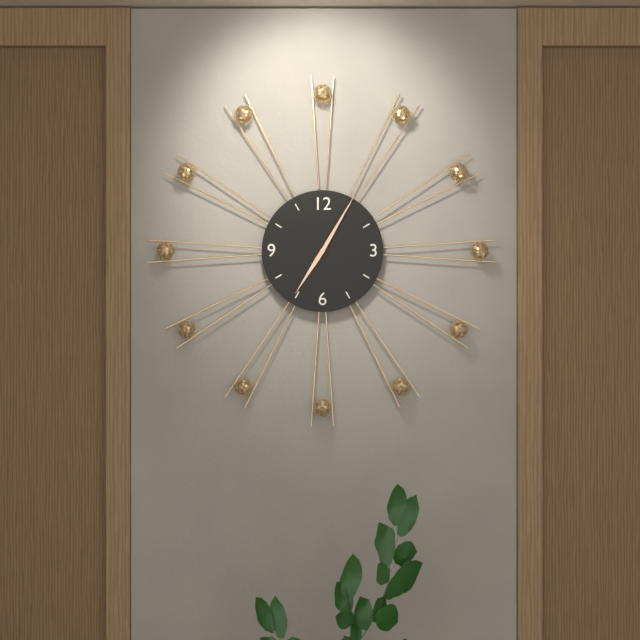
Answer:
7h05
